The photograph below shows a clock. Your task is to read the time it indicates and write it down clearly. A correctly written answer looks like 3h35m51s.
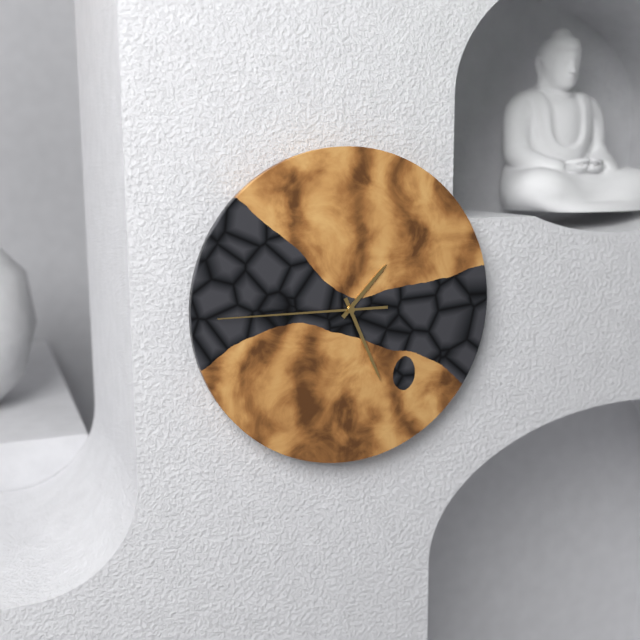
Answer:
1h26m45s
